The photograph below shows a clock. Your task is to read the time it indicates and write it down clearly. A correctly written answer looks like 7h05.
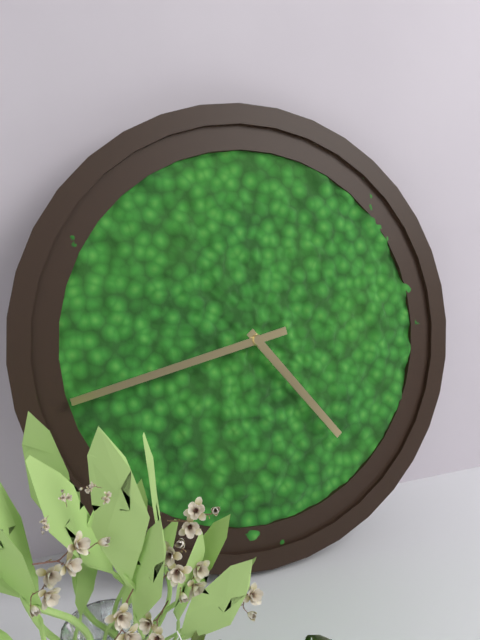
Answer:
4h43
